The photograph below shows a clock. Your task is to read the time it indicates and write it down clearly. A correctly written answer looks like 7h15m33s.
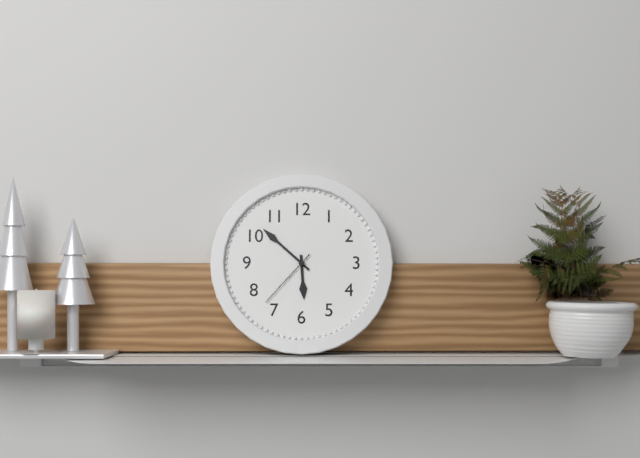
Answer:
5h52m37s
